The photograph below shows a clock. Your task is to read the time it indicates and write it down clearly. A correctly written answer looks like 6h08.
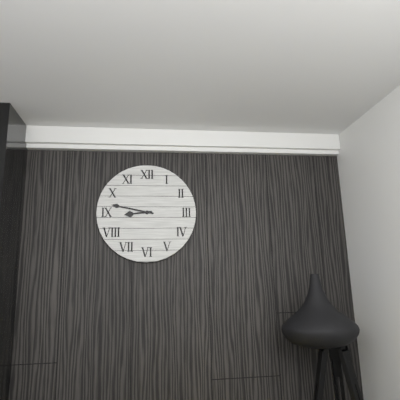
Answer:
8h47
